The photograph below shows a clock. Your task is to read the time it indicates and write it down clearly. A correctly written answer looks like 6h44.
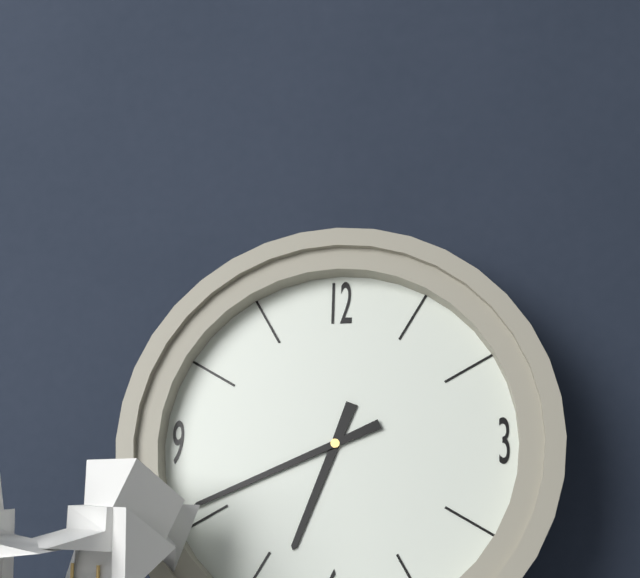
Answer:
6h41
